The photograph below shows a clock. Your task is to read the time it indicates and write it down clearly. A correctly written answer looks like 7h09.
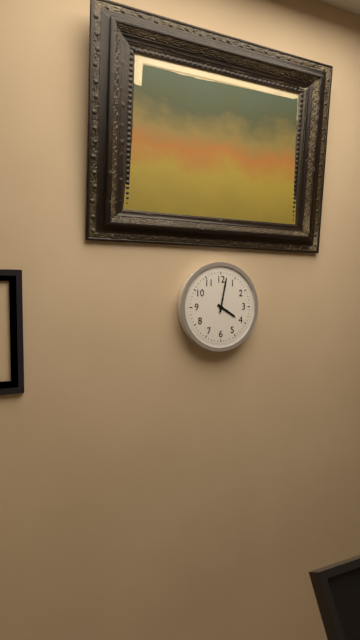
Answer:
4h02
